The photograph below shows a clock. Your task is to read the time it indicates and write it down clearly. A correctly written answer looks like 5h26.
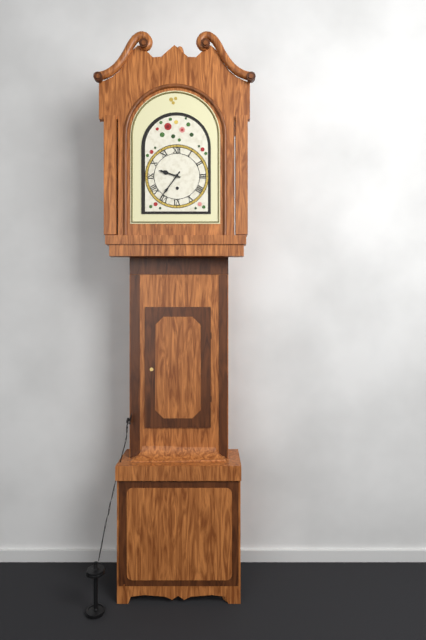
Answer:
9h36
